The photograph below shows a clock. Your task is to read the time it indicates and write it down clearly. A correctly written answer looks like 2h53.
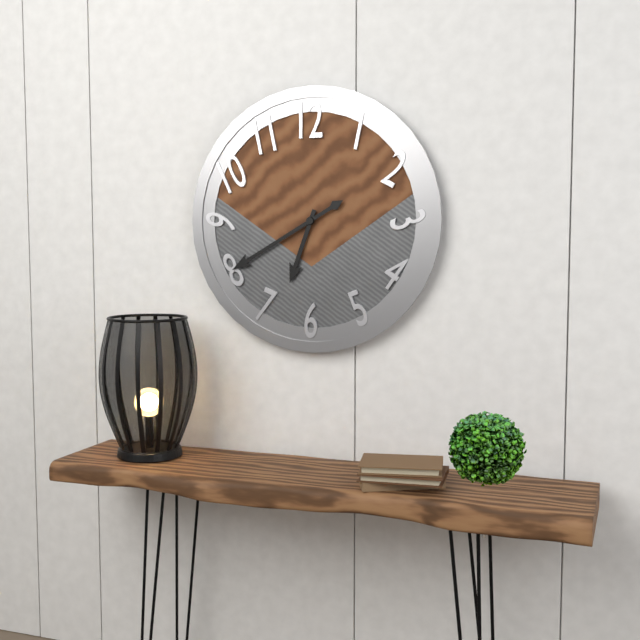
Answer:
6h40
